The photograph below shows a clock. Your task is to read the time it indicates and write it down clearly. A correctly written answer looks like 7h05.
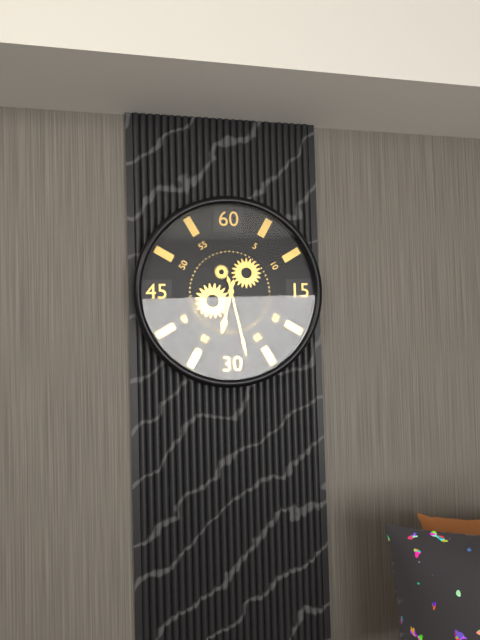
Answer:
6h28
